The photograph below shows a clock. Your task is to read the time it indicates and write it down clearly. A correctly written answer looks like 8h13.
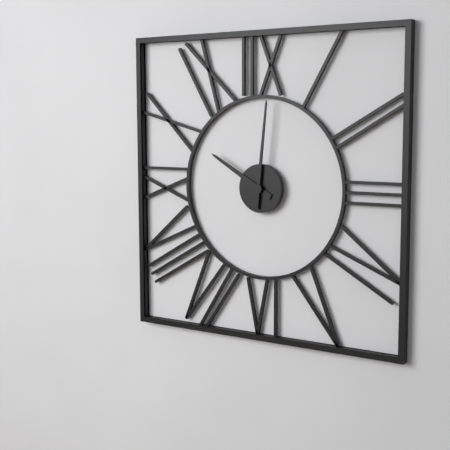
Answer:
10h01
